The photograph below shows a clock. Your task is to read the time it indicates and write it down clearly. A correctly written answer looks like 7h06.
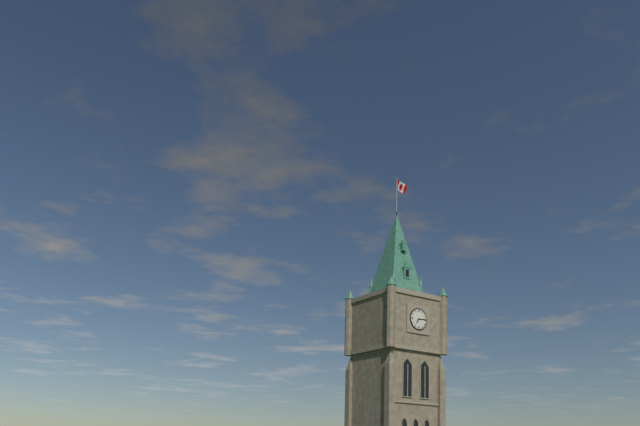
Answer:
7h14
